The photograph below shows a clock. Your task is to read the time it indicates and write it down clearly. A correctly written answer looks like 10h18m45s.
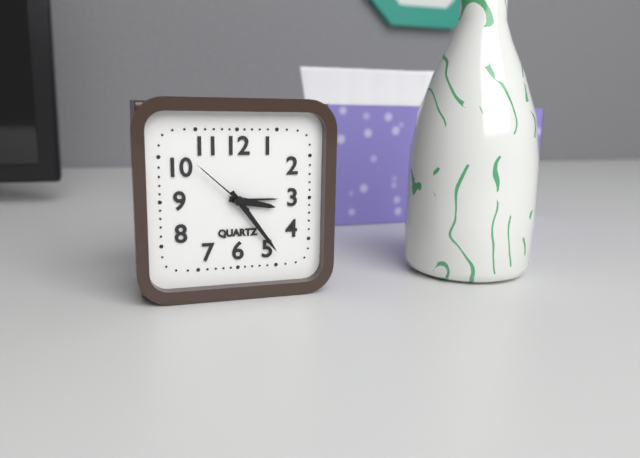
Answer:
3h24m52s
